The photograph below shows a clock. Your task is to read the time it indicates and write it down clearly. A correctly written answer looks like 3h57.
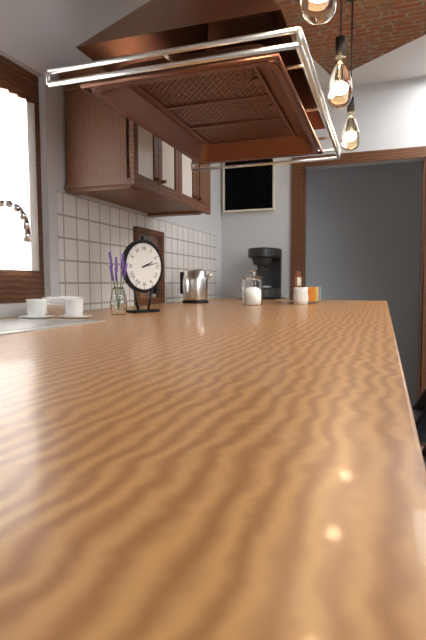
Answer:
2h13
